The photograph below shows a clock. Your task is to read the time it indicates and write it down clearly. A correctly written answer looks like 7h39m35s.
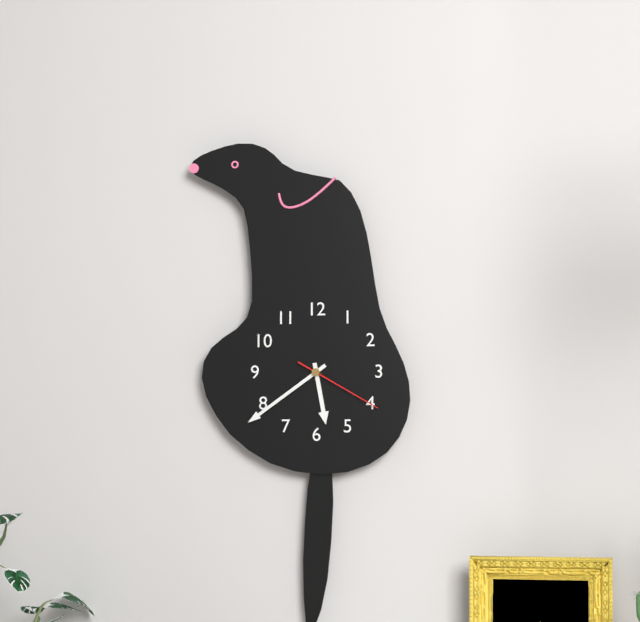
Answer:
5h39m20s
